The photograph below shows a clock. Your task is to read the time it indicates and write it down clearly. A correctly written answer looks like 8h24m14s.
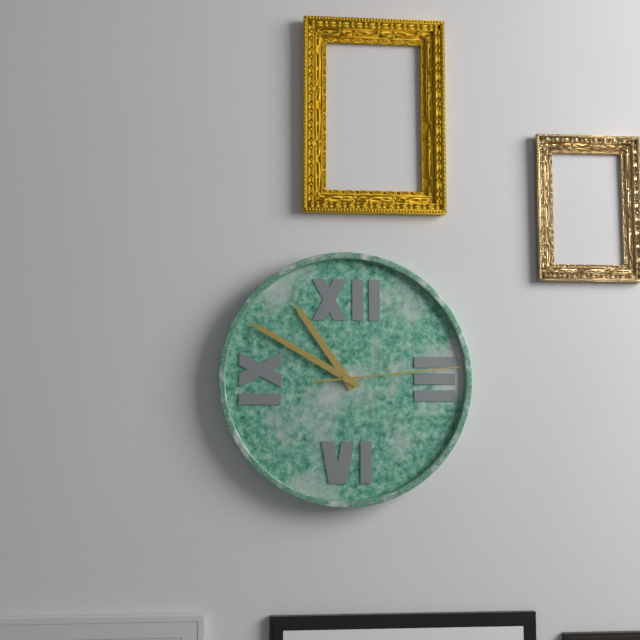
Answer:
10h50m14s
